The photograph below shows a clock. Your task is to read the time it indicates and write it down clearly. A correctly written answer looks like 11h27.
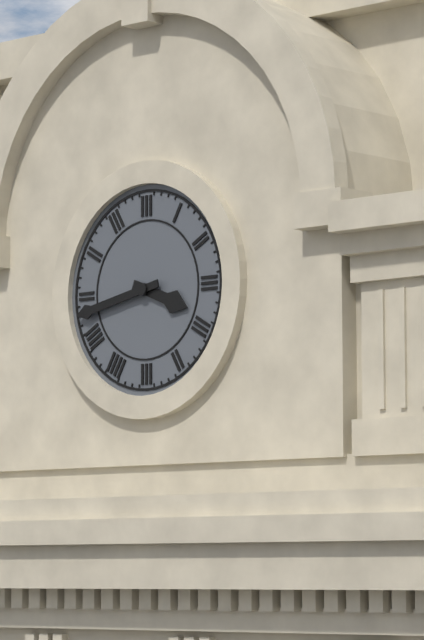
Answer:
3h43
